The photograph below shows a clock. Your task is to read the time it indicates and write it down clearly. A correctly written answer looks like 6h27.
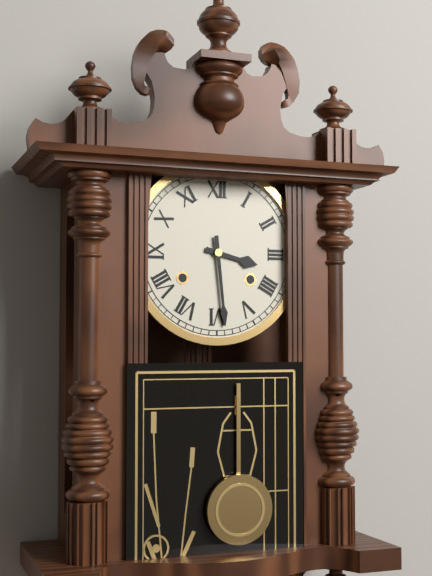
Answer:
3h29
